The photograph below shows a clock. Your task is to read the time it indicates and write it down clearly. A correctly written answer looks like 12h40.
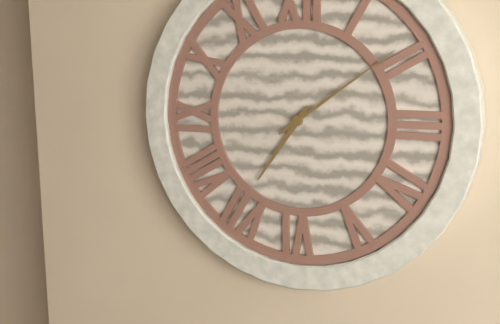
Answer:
7h09
